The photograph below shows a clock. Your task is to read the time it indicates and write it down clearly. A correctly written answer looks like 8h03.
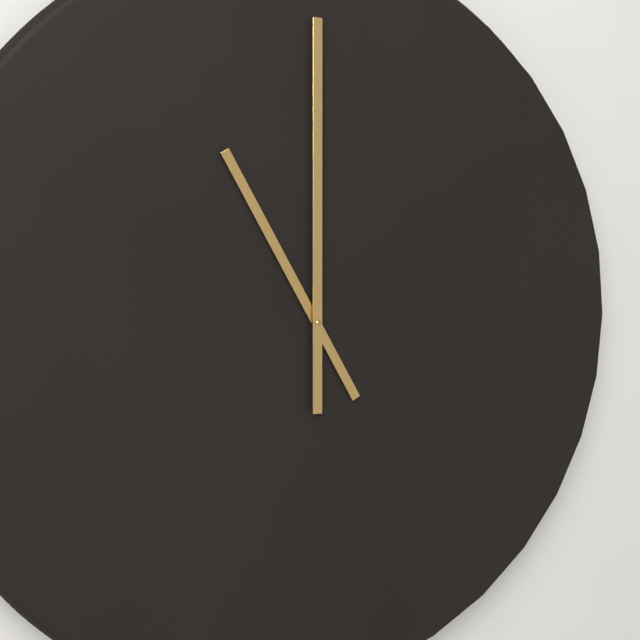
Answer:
11h00
